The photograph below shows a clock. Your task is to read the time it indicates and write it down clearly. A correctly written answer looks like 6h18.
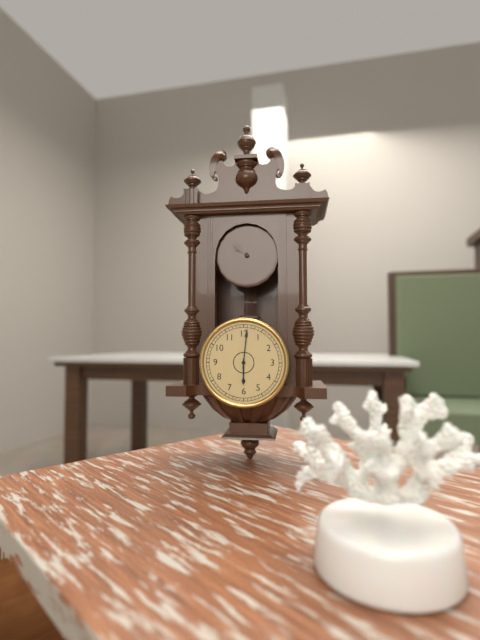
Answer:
6h01
